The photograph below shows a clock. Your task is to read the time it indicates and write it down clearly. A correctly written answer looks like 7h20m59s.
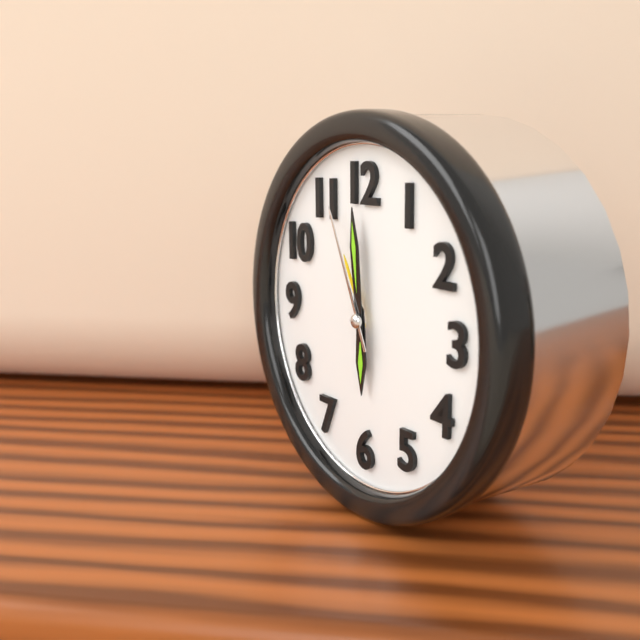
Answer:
5h59m56s
